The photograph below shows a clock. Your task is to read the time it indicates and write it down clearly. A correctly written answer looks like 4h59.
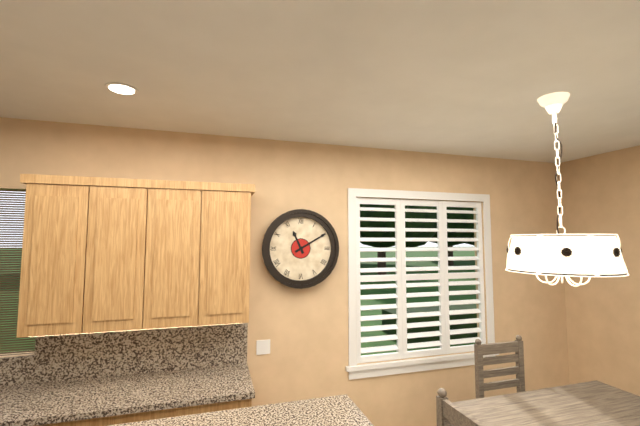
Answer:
11h10
